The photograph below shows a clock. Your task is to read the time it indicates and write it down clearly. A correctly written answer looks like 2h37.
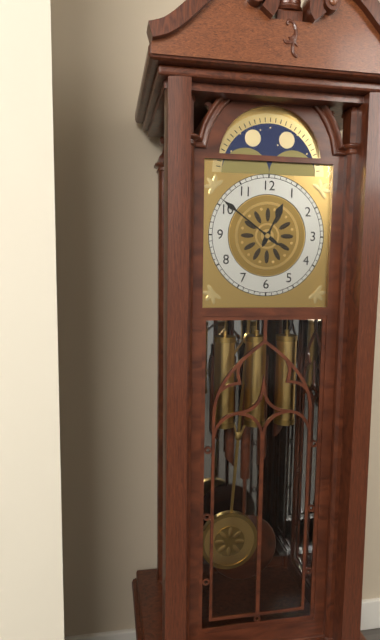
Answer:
12h51
